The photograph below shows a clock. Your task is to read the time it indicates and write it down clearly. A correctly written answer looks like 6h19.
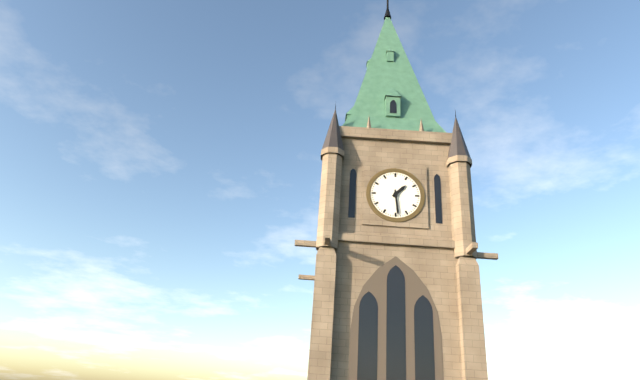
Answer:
1h29
